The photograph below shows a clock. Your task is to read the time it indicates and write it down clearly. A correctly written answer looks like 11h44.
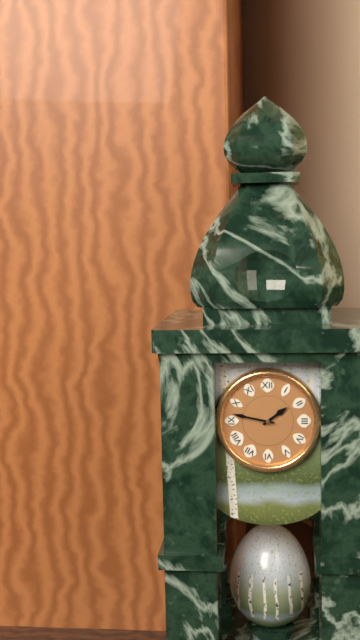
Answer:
1h47
